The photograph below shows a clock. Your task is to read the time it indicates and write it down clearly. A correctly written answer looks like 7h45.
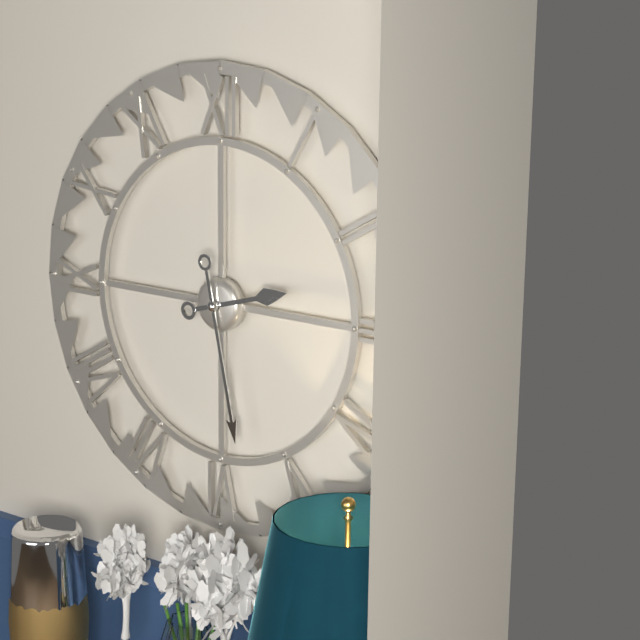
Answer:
2h28
